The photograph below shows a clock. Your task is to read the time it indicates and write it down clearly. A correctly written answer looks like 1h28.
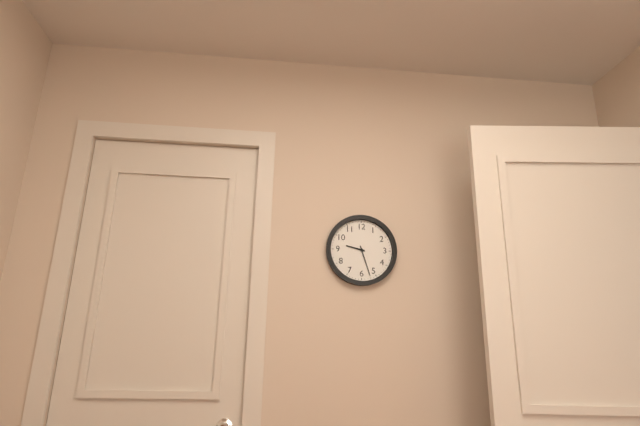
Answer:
9h27
